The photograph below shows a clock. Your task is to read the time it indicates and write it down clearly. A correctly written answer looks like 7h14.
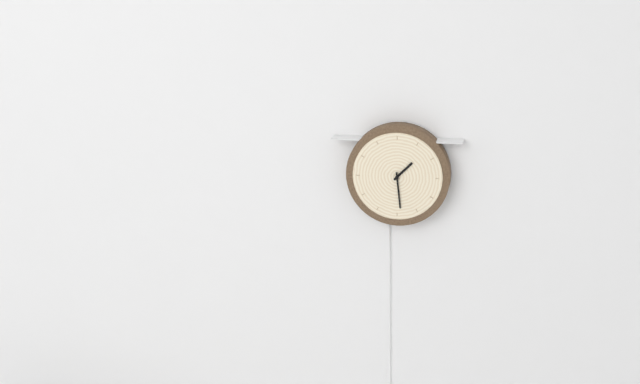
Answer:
1h29
